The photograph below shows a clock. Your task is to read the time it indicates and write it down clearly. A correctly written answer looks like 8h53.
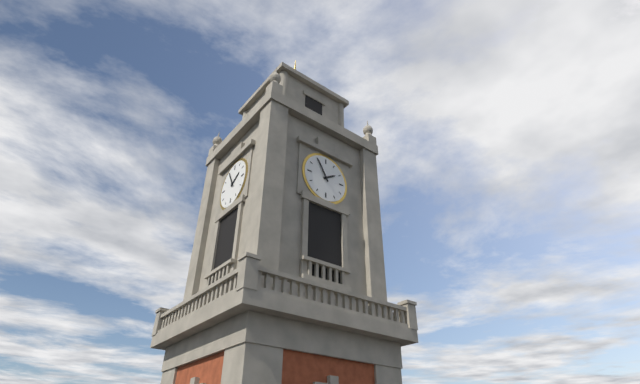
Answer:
1h55
